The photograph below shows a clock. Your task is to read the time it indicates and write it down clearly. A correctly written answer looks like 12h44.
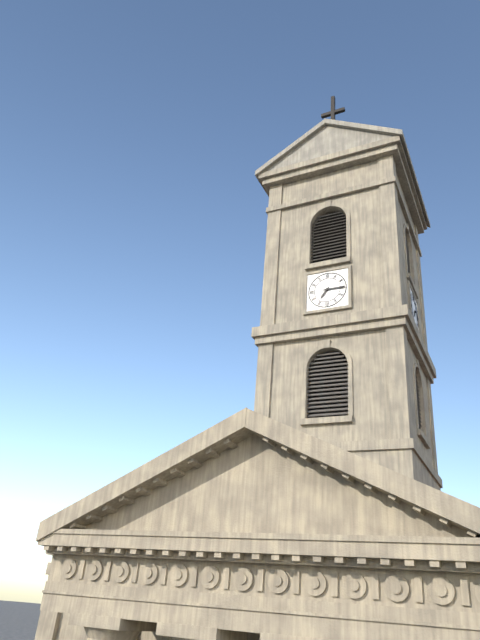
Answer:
7h15
